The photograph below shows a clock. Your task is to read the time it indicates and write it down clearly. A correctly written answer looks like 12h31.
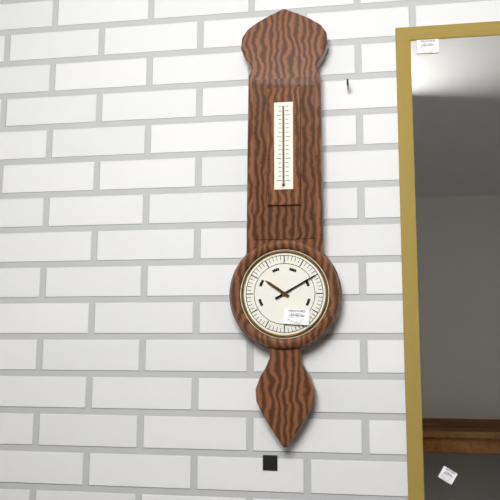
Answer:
10h10
